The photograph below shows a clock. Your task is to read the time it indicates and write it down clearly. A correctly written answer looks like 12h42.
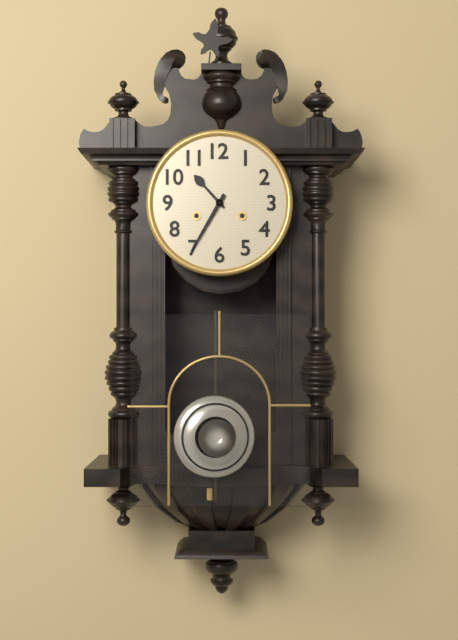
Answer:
10h35
